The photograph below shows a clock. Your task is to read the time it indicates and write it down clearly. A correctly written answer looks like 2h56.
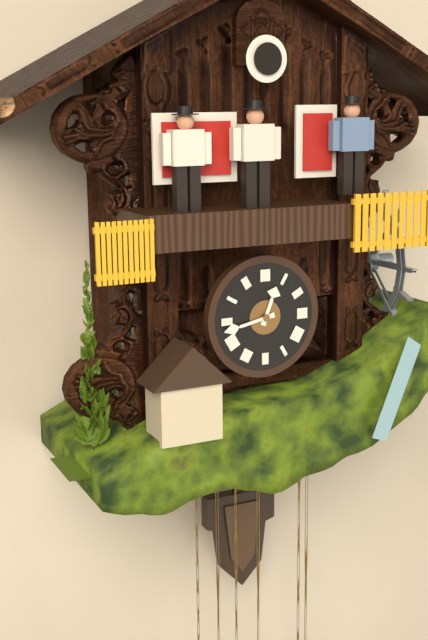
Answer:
12h43
